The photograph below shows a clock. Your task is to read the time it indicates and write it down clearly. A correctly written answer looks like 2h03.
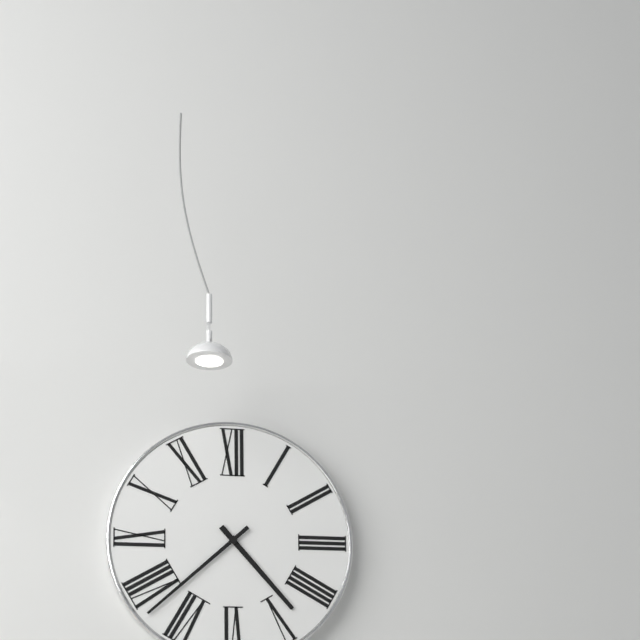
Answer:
4h38
